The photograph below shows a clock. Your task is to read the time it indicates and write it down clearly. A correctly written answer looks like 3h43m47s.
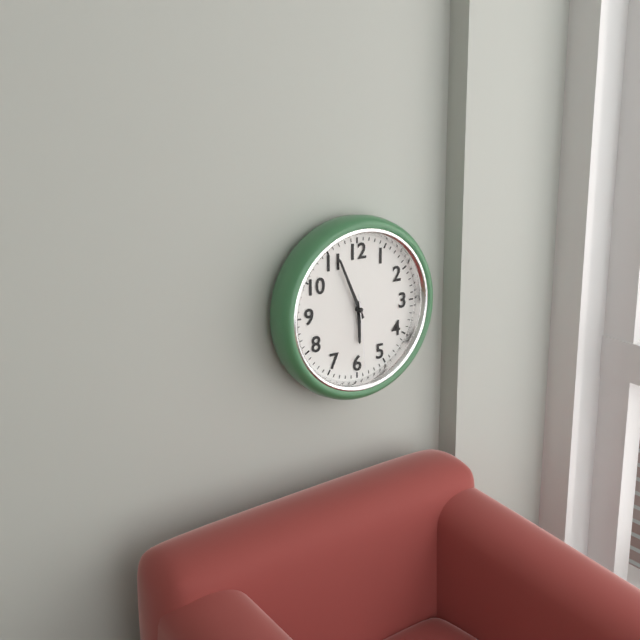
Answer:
5h56m29s
